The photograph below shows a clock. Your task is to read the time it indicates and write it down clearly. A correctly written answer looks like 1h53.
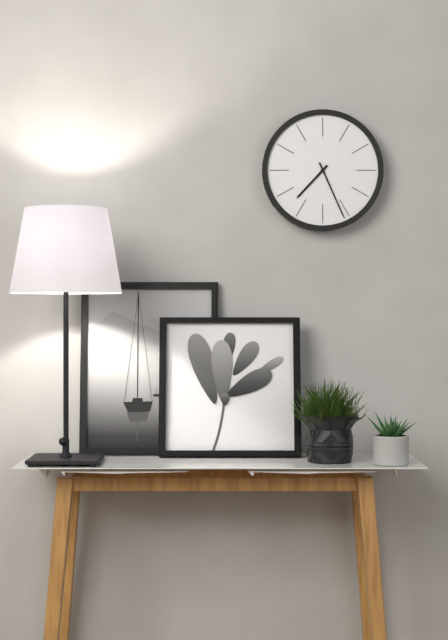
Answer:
7h26
